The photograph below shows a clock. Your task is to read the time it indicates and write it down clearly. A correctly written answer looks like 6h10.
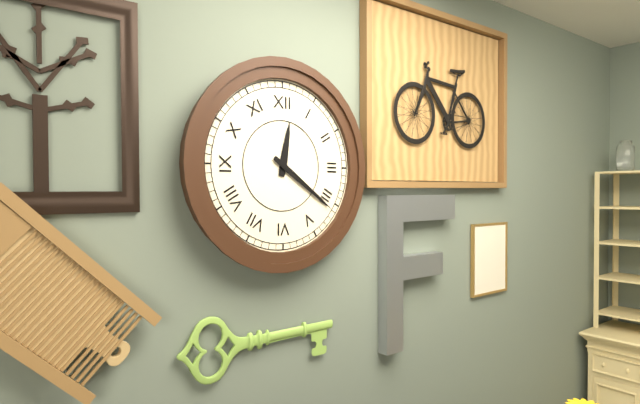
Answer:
12h21
